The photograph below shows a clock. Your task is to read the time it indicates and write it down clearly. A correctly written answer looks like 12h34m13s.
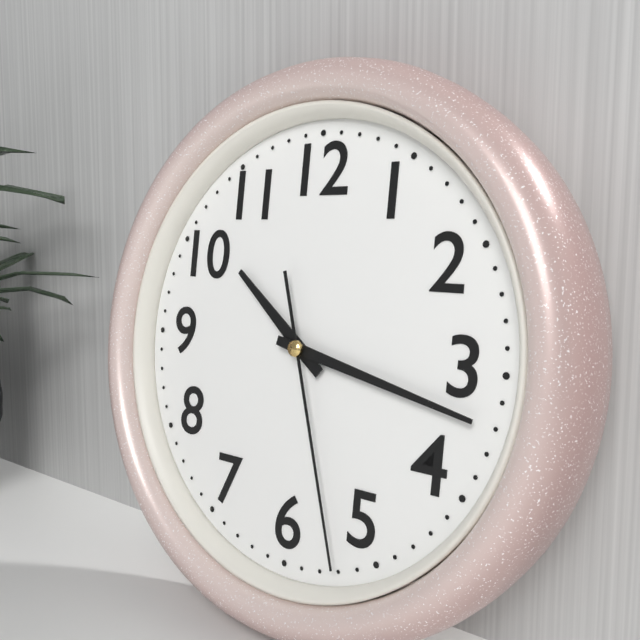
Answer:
10h17m27s
